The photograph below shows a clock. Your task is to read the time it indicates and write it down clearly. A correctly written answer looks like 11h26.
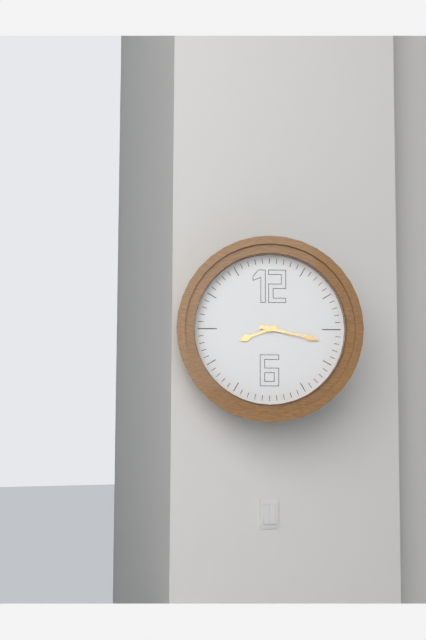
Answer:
8h17
